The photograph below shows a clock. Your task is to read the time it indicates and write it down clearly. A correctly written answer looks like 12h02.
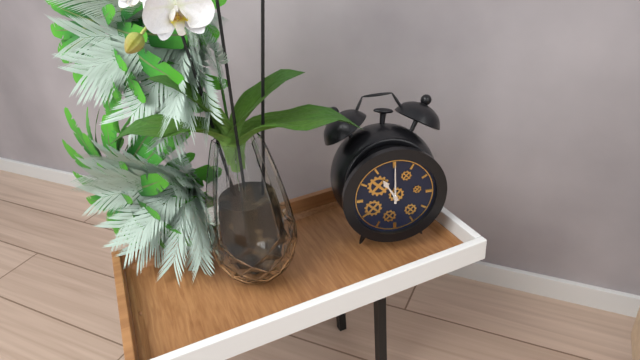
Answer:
11h00
